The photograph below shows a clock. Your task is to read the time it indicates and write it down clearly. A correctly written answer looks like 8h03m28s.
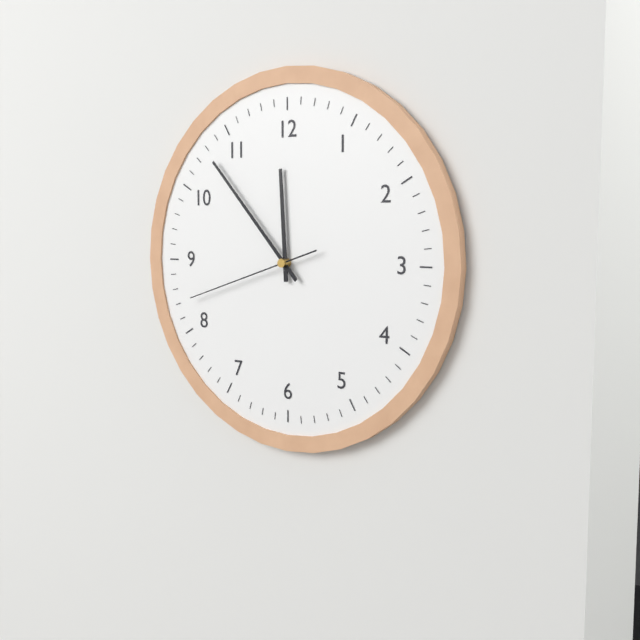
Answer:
11h53m42s
